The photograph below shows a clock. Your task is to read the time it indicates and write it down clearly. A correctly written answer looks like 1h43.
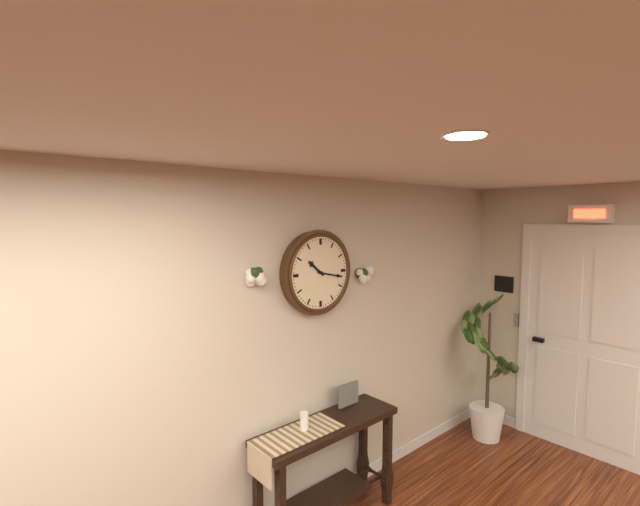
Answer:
10h17
